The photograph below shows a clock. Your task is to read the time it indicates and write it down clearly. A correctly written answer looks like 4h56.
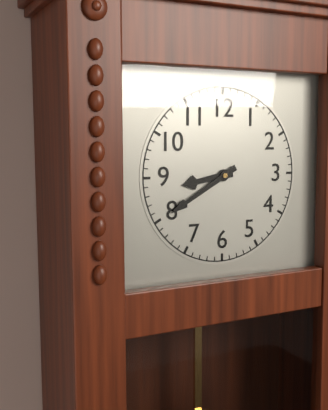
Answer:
8h40
